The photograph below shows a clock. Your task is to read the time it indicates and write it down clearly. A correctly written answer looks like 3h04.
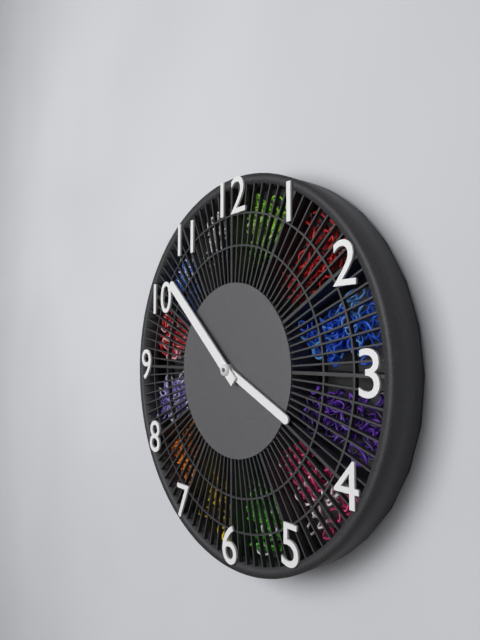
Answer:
3h52
